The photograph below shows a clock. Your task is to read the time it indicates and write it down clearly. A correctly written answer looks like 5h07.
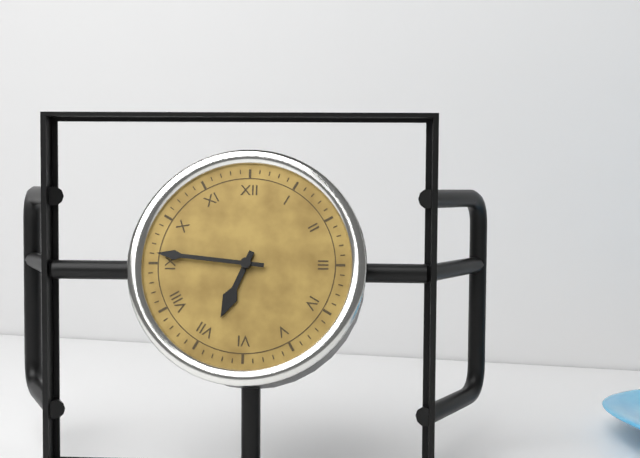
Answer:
6h46
